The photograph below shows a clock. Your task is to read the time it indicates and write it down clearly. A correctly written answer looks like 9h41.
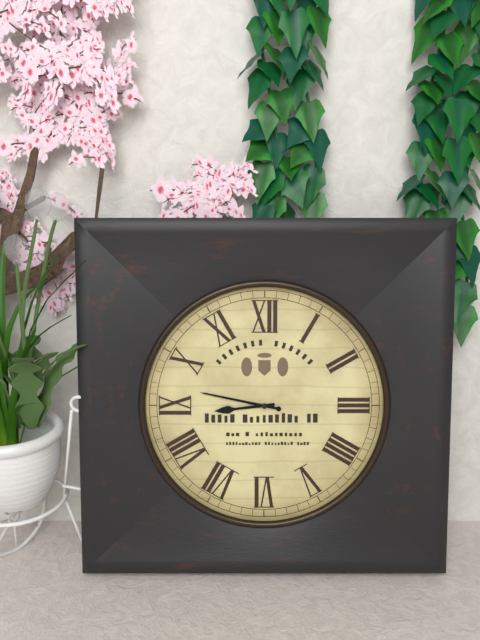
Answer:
8h47
